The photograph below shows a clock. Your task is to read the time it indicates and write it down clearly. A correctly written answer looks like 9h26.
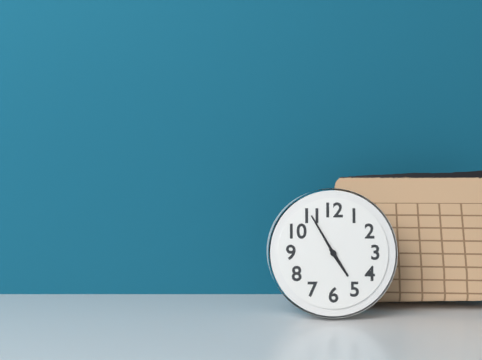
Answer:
4h55
